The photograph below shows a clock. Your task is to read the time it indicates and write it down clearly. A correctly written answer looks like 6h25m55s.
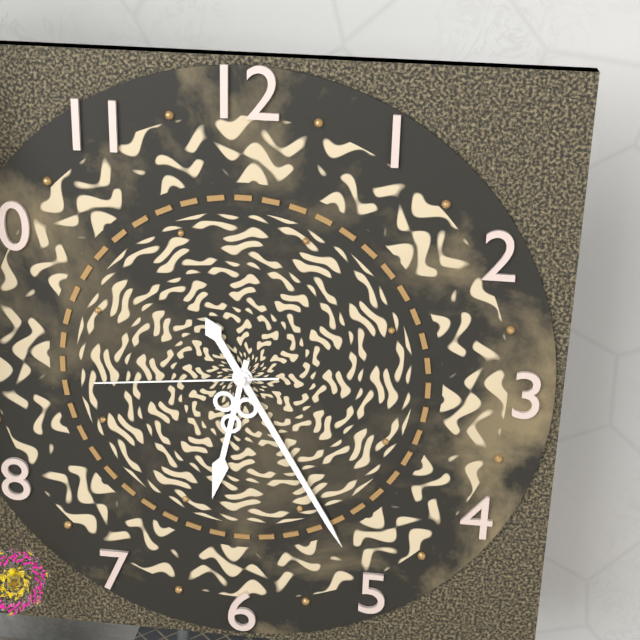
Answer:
6h25m44s
